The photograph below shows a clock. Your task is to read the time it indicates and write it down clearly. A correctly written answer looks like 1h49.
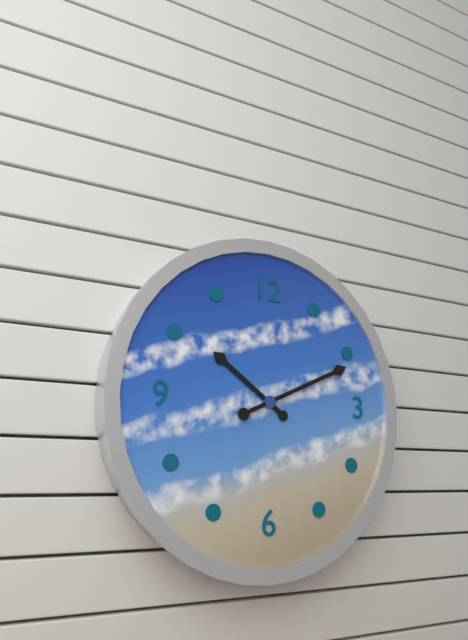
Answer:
10h11
